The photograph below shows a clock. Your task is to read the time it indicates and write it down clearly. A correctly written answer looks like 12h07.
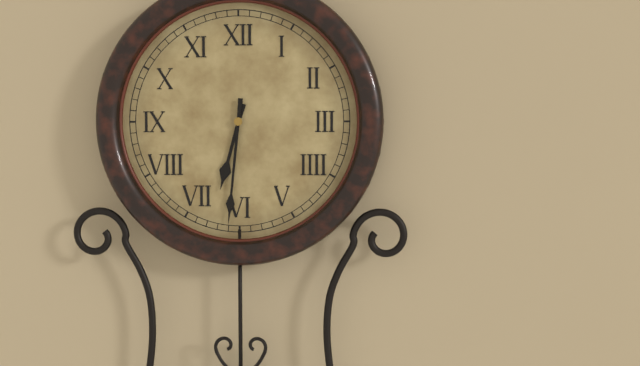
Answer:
6h31
